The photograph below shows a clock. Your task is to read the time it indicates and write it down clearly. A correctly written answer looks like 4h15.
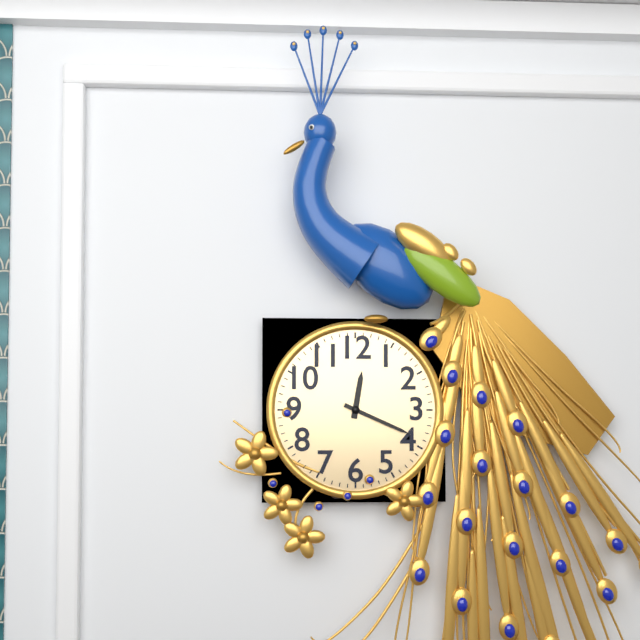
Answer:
12h19
